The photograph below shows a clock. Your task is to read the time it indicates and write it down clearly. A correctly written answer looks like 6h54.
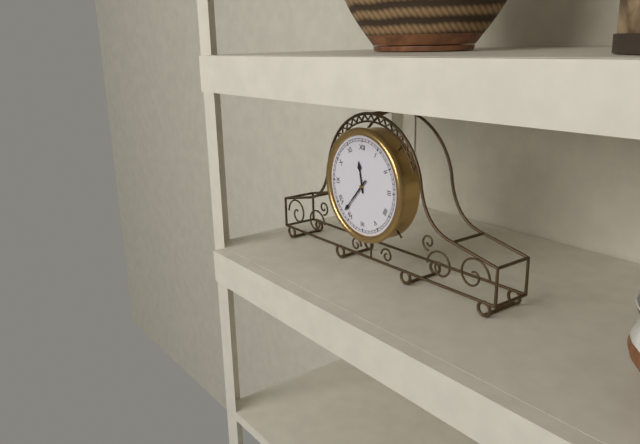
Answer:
11h37
